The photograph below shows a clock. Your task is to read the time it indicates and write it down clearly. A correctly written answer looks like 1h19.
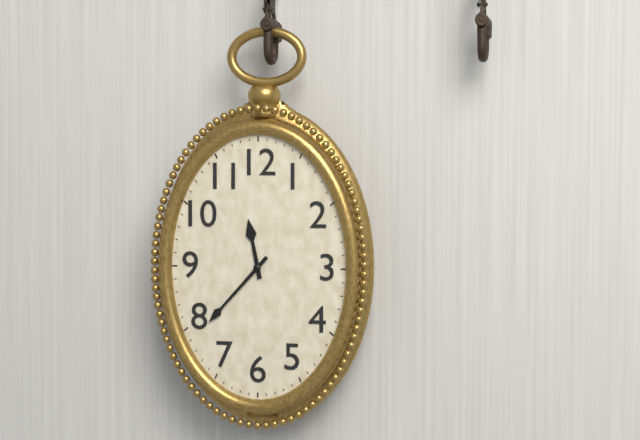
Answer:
11h37
